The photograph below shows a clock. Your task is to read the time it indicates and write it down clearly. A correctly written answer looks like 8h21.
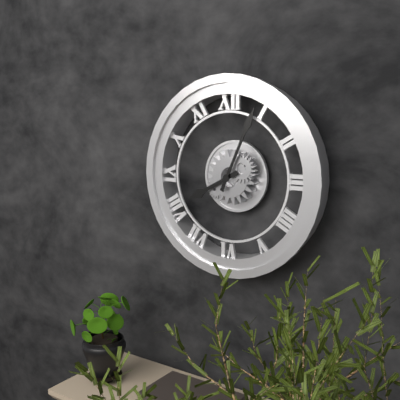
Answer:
8h04
